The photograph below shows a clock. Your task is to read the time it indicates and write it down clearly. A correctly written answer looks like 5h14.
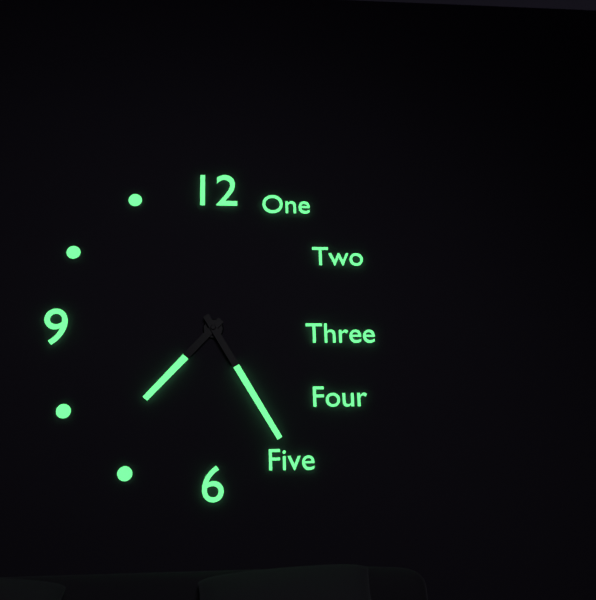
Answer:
7h25
